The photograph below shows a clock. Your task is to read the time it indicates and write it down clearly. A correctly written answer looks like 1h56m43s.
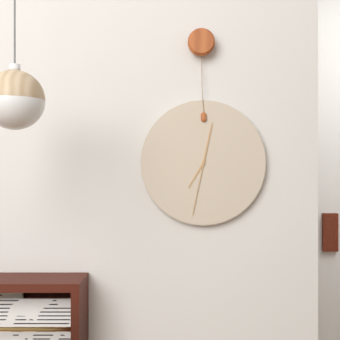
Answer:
7h02m32s
